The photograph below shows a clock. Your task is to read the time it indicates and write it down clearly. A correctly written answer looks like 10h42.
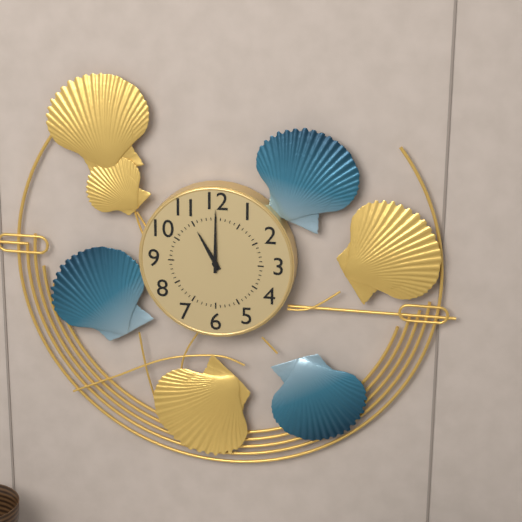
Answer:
11h00
